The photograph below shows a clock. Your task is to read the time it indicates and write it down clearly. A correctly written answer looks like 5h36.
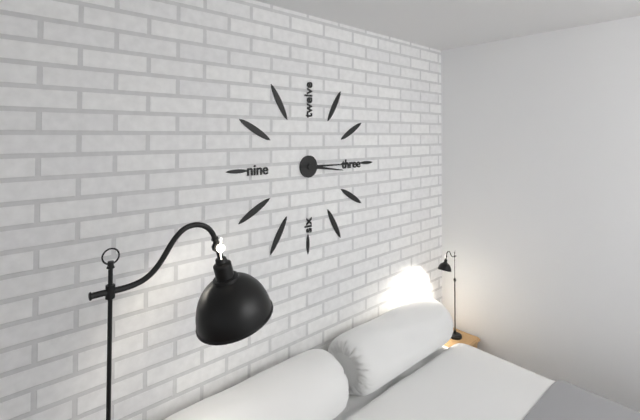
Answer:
3h15
